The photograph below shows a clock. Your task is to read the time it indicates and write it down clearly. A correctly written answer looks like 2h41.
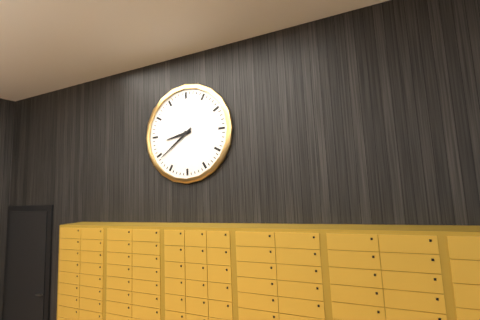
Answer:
8h39
